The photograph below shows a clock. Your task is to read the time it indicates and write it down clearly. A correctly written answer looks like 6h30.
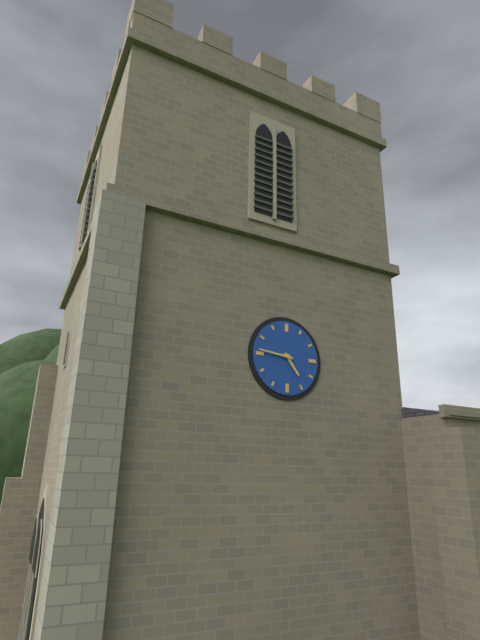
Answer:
4h46
